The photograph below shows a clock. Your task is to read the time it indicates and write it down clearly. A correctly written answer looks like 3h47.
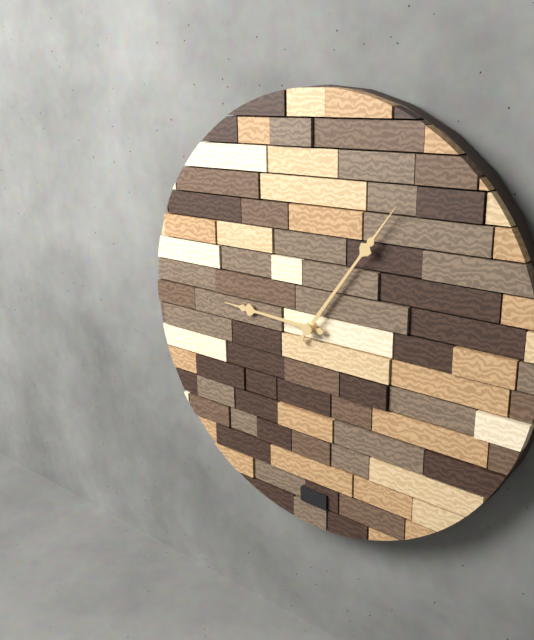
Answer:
9h06
